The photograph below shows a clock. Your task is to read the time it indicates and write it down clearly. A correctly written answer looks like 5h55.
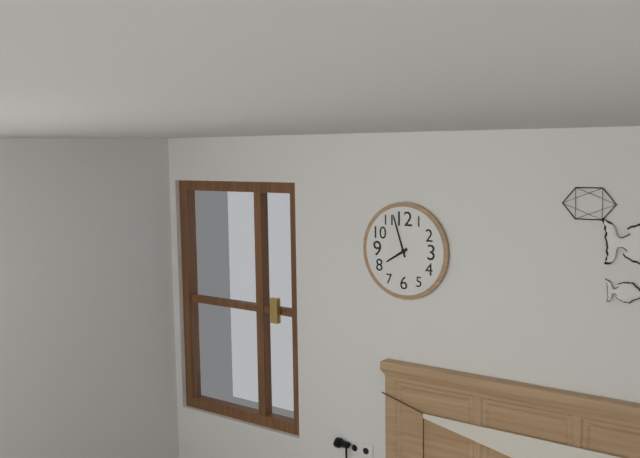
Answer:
7h57
